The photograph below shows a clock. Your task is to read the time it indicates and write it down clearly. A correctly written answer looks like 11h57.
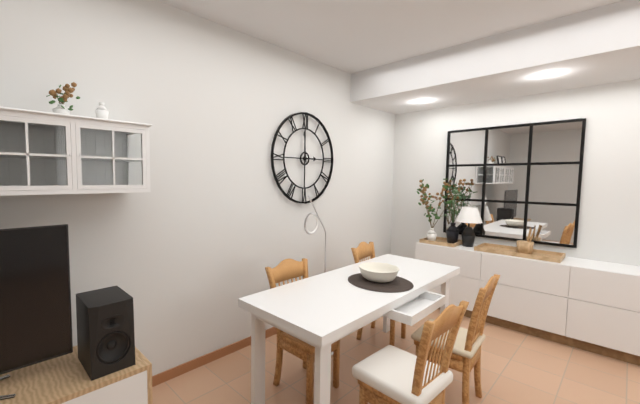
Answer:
2h59
